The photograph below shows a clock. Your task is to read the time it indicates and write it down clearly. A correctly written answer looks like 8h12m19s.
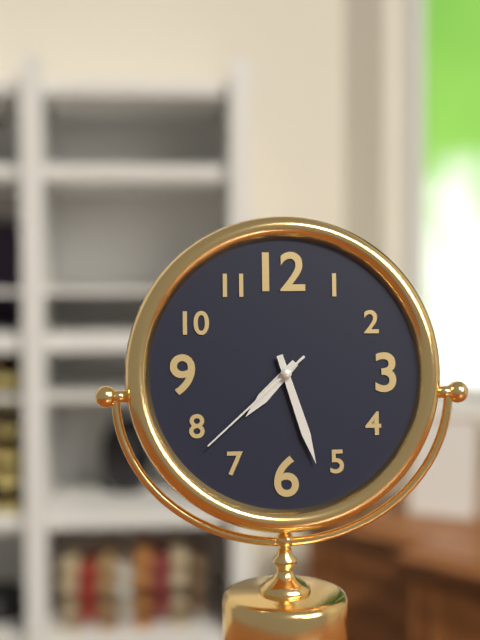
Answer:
7h27m38s
